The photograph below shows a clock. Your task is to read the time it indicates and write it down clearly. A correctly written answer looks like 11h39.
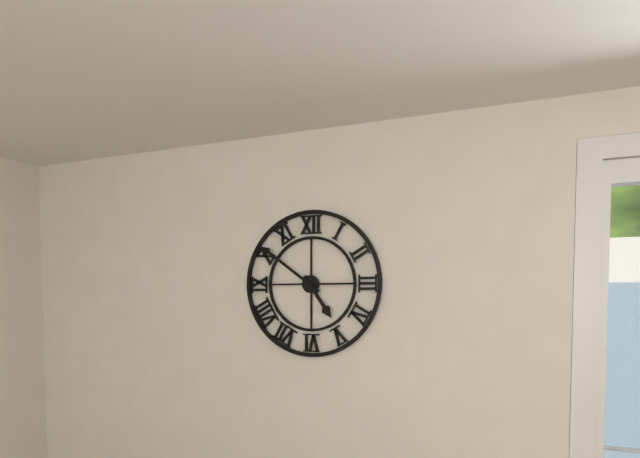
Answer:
4h51
